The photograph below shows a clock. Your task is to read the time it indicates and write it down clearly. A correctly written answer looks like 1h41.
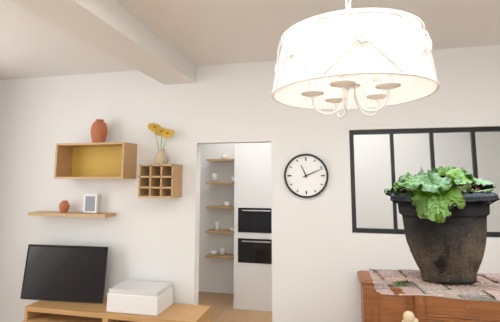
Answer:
11h11
